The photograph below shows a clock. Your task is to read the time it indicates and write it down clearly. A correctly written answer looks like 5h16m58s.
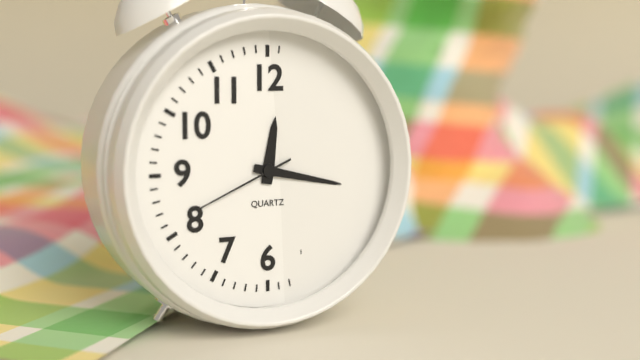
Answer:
12h17m41s
